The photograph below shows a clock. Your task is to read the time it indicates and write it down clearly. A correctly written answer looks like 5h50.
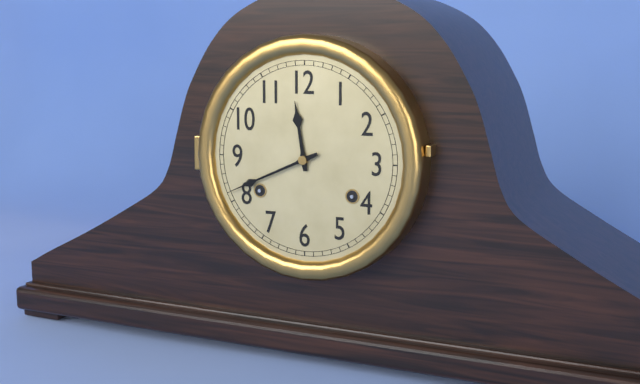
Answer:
11h41
